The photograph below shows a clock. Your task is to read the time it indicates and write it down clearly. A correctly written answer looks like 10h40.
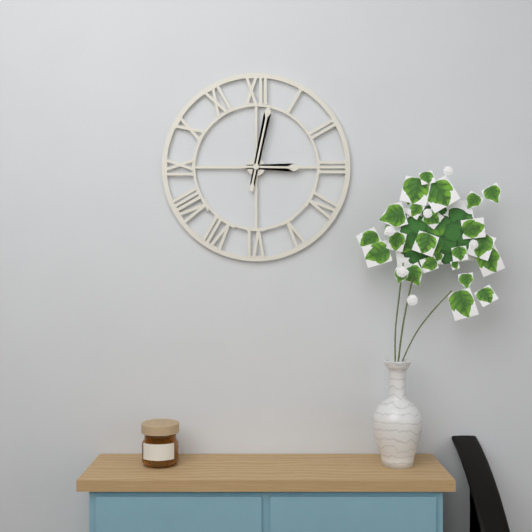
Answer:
3h02
